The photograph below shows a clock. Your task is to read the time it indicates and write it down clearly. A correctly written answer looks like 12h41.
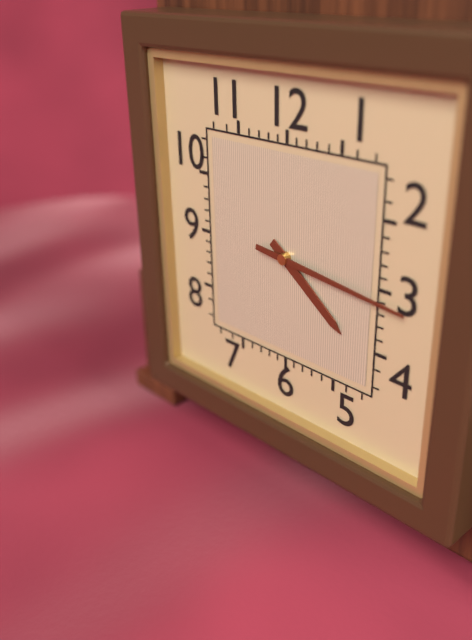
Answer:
4h16
